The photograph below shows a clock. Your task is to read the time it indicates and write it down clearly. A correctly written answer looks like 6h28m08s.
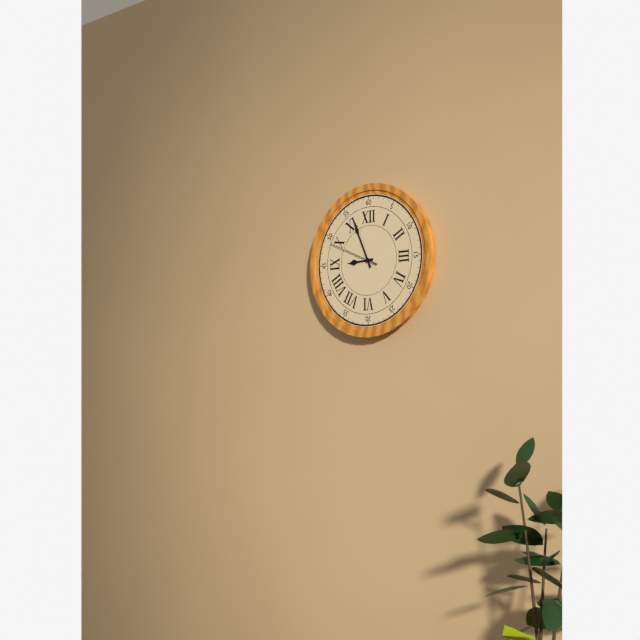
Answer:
8h56m49s
